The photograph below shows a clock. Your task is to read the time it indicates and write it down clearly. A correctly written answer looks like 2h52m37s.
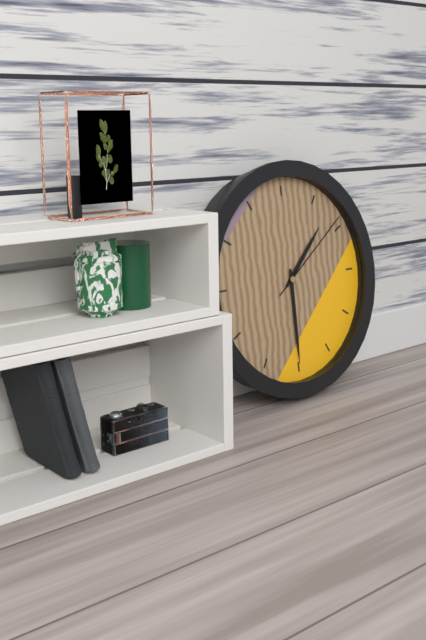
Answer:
1h30m09s
